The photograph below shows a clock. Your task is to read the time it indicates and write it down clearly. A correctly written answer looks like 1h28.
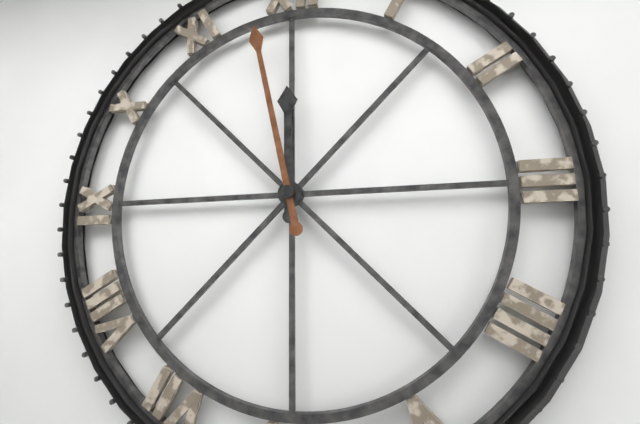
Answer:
11h58
